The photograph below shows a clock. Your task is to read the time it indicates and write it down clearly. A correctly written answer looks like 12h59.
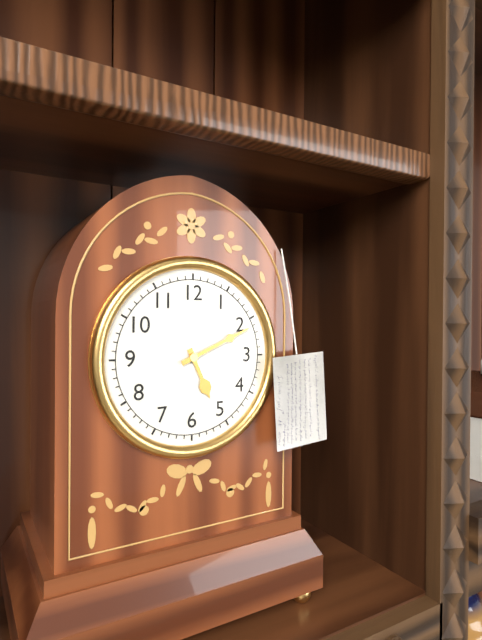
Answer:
5h11
